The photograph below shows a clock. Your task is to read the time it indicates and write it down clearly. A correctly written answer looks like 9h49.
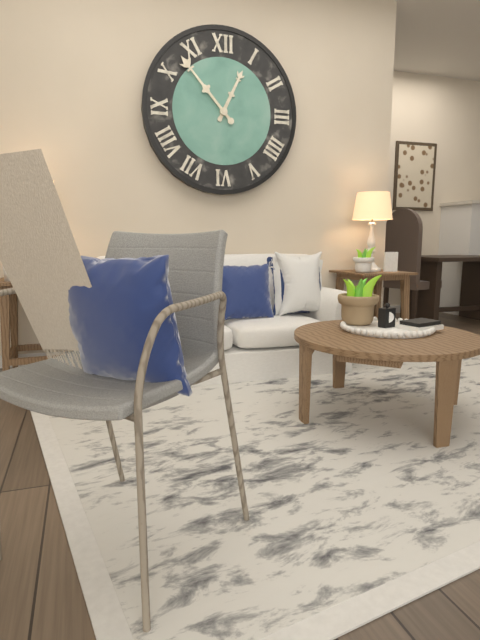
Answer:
12h53
